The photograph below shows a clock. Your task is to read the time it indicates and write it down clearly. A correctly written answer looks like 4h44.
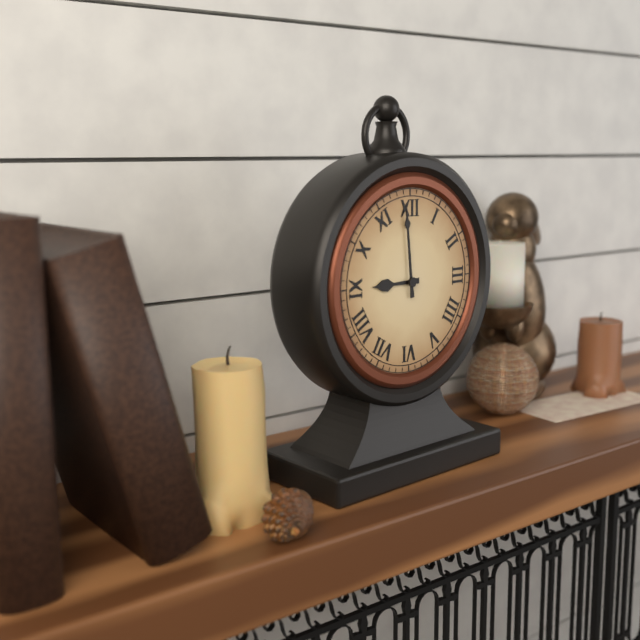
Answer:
8h59
